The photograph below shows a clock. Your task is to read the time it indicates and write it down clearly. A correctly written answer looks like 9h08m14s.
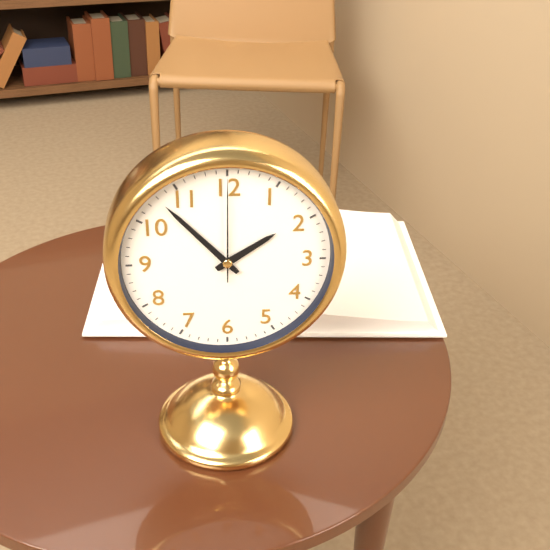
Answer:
1h53m00s
